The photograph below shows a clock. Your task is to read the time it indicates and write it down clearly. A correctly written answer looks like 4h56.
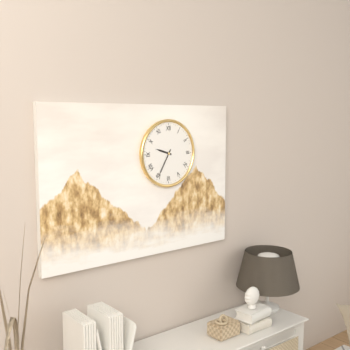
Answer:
9h35
